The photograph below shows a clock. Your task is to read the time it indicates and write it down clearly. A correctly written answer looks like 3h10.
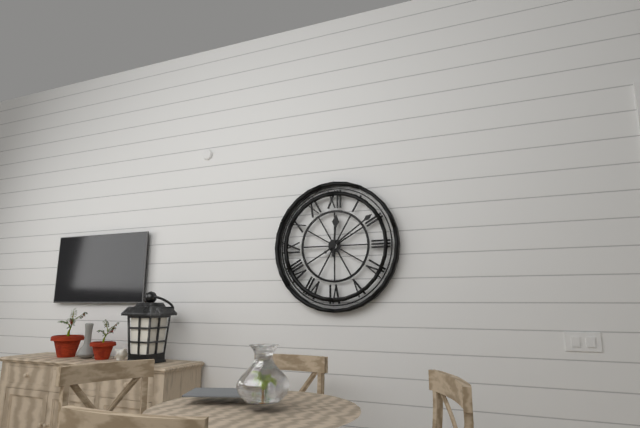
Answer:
12h09
